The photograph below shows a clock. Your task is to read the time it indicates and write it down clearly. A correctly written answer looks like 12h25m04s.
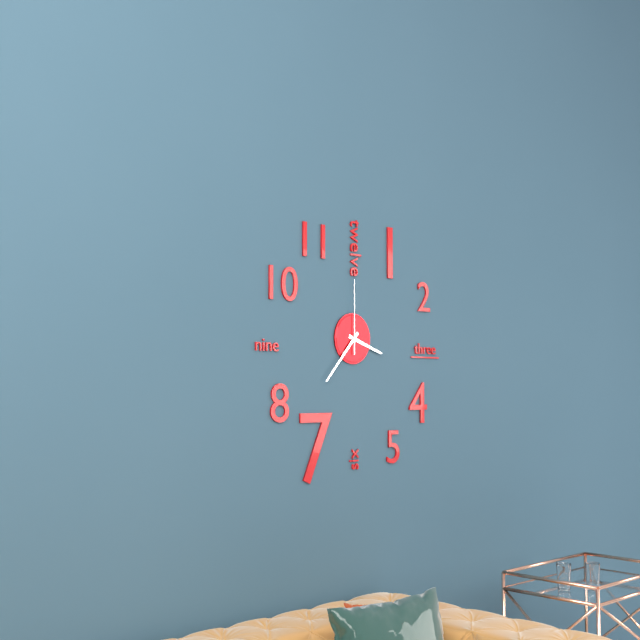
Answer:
3h37m00s
